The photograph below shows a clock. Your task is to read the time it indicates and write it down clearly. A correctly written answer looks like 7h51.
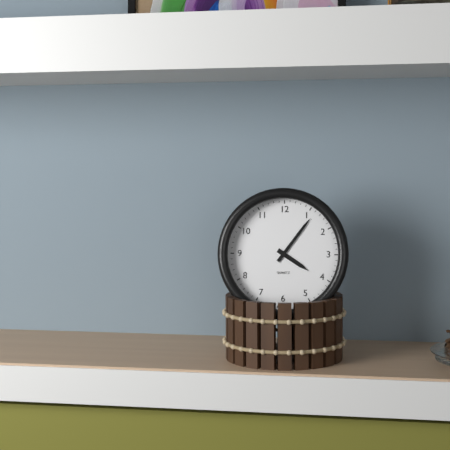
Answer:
4h06
